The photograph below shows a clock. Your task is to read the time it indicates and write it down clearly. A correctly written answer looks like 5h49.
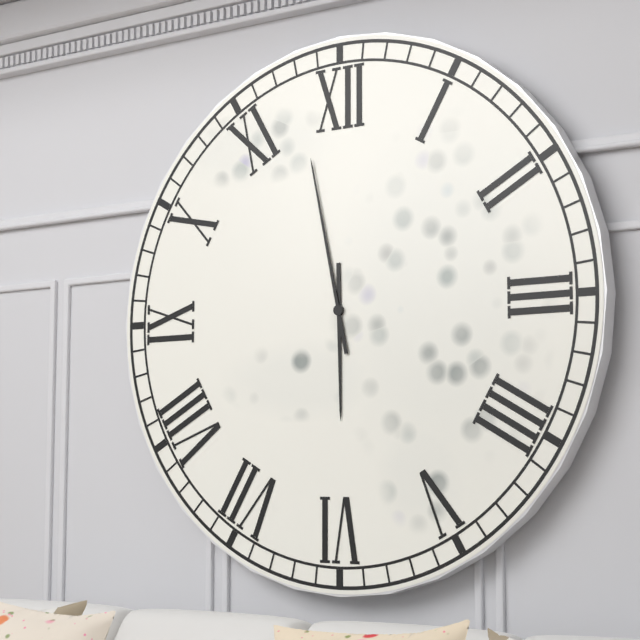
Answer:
5h58
